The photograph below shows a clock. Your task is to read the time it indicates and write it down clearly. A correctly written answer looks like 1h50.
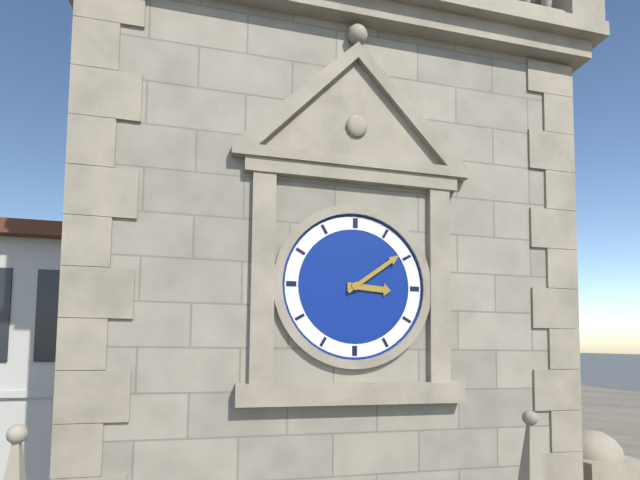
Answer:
3h09
